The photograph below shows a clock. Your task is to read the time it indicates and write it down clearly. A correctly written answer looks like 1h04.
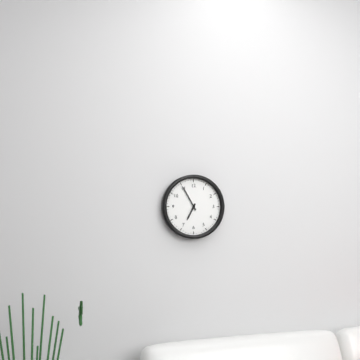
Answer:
6h55
